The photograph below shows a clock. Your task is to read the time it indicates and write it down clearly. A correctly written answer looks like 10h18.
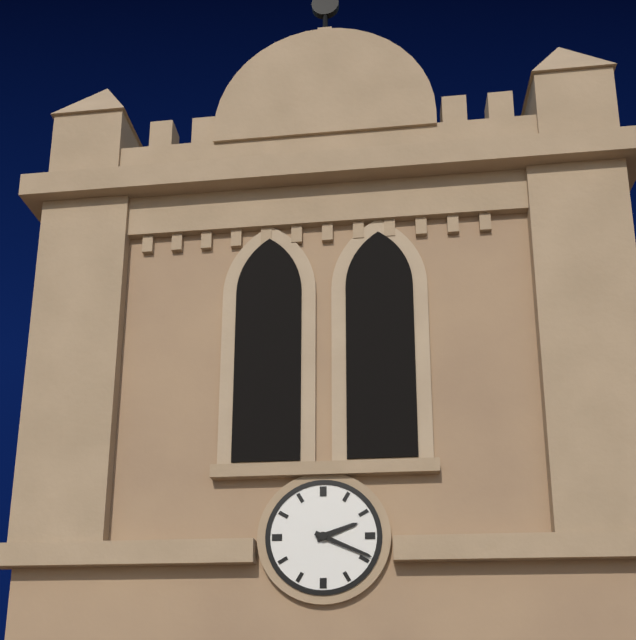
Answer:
2h19
